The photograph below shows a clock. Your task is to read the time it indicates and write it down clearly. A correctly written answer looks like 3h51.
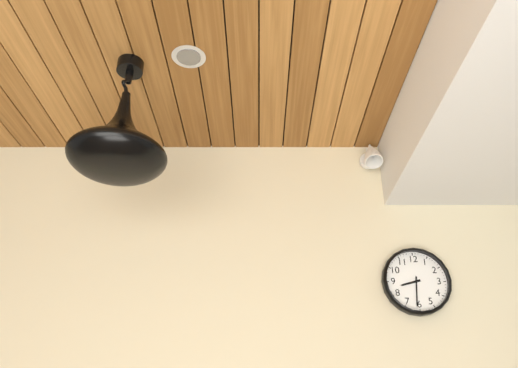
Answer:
8h31
